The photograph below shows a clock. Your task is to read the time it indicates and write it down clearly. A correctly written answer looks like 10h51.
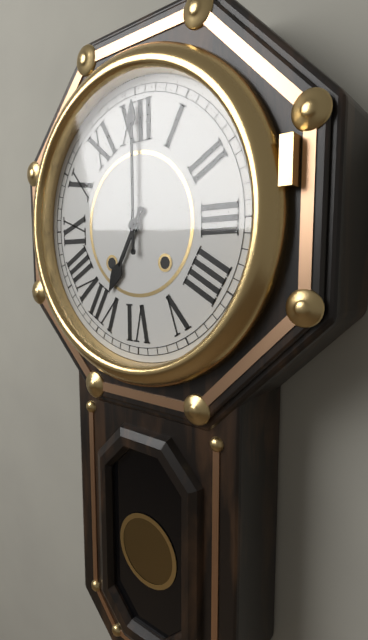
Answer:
7h00
